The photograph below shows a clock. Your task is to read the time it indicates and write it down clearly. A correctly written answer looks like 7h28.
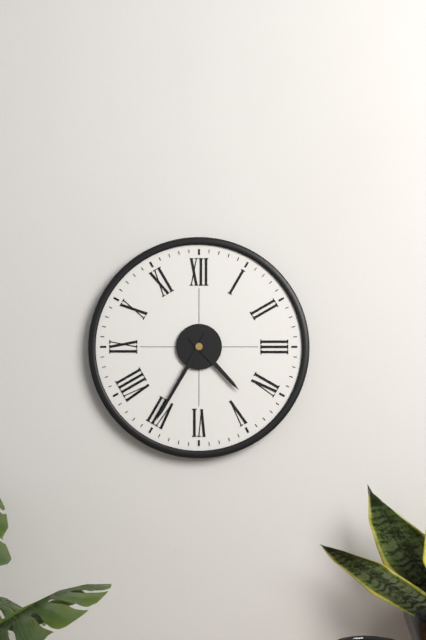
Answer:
4h35
